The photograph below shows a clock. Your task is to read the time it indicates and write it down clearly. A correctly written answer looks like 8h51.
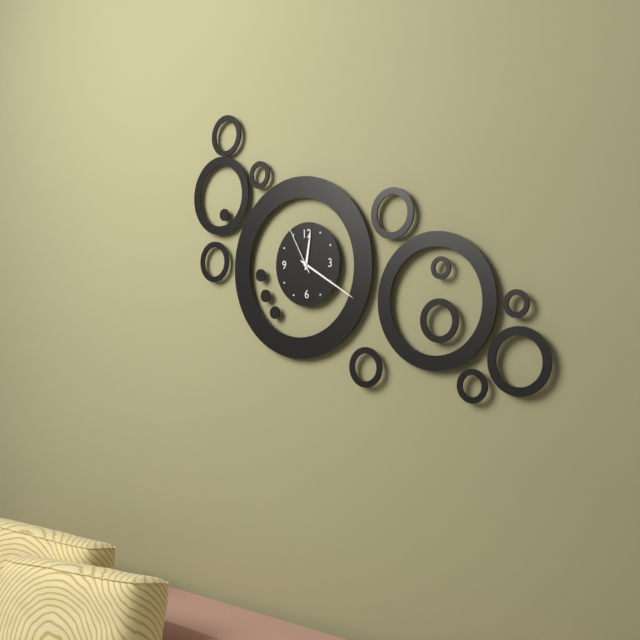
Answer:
12h20
